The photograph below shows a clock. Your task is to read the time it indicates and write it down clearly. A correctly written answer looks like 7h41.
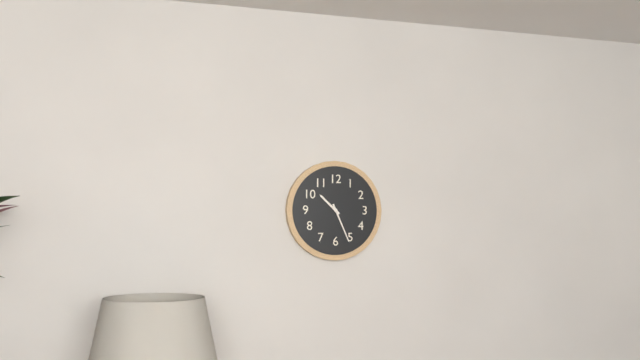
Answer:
10h26
